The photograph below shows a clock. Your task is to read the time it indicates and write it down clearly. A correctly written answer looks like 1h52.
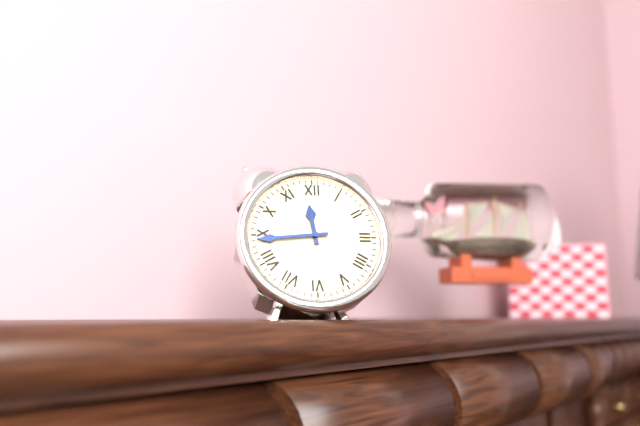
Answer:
11h44
